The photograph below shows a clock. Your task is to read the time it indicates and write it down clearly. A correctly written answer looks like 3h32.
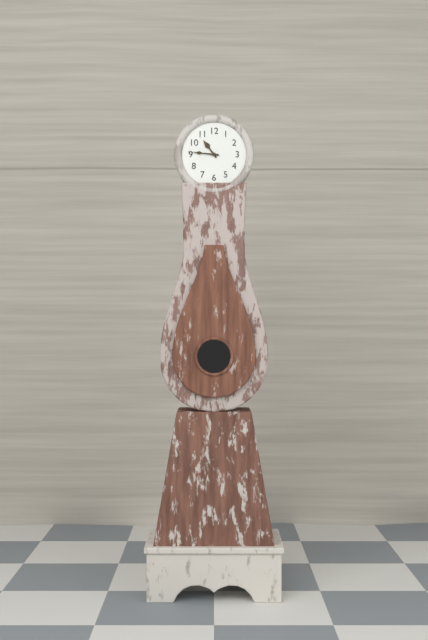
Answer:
10h46
